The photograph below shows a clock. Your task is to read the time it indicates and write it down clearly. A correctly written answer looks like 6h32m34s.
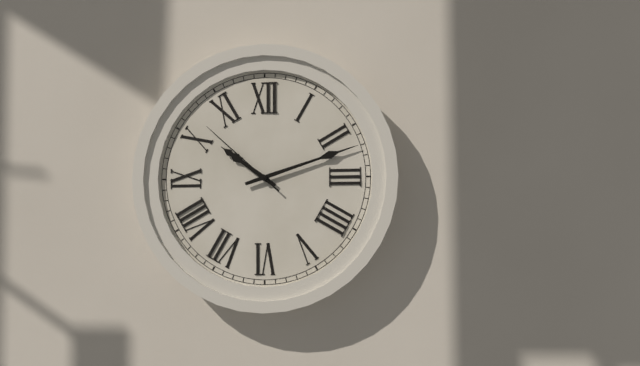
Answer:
10h12m52s
